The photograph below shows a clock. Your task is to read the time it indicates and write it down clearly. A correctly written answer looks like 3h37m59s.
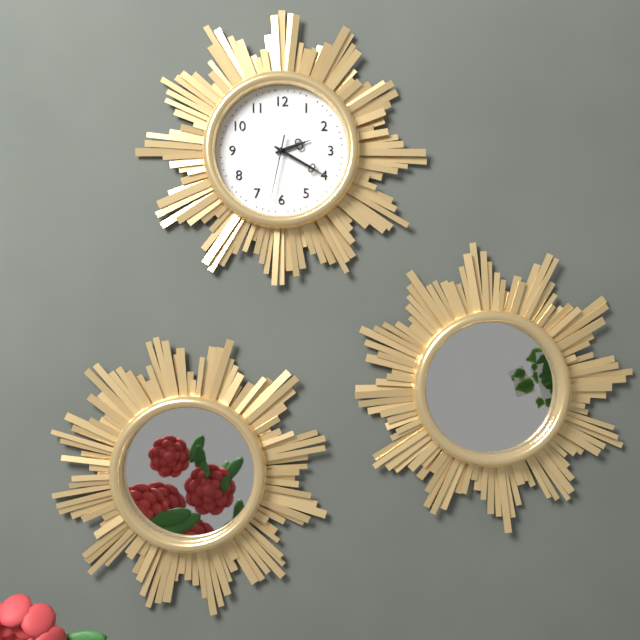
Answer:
2h20m32s
